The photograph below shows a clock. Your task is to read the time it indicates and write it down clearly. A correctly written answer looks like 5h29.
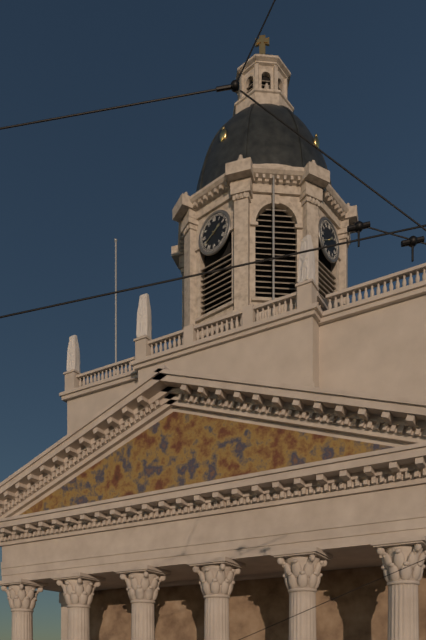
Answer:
1h40
